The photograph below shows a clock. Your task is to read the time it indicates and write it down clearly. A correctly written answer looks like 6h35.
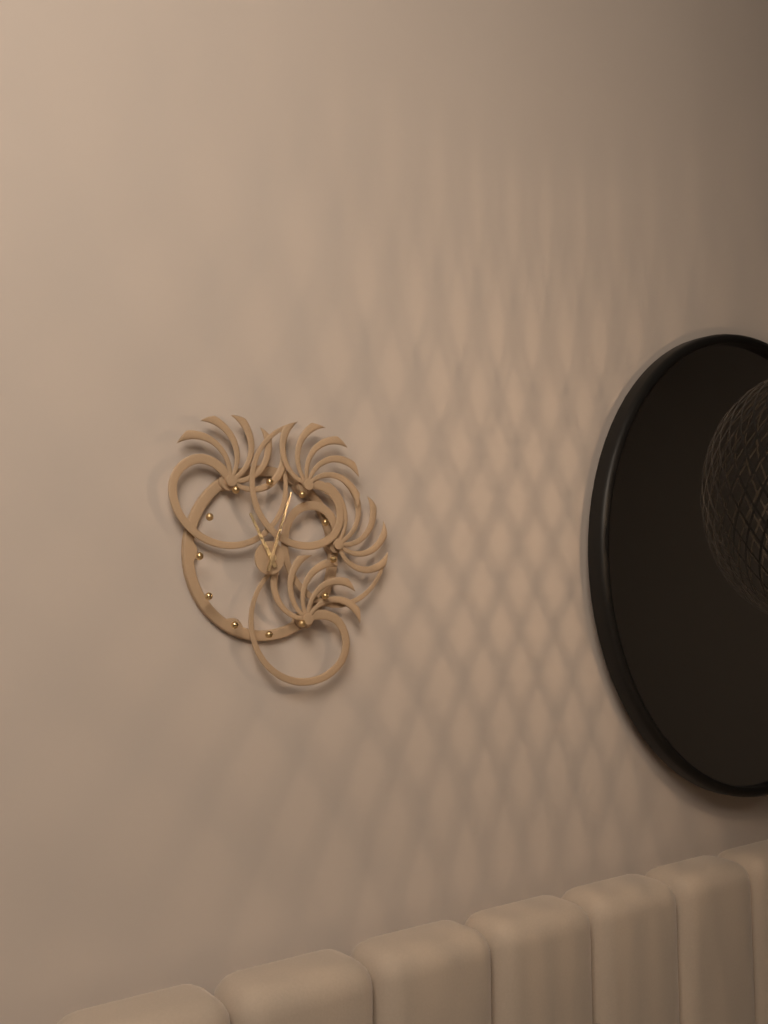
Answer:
11h03
